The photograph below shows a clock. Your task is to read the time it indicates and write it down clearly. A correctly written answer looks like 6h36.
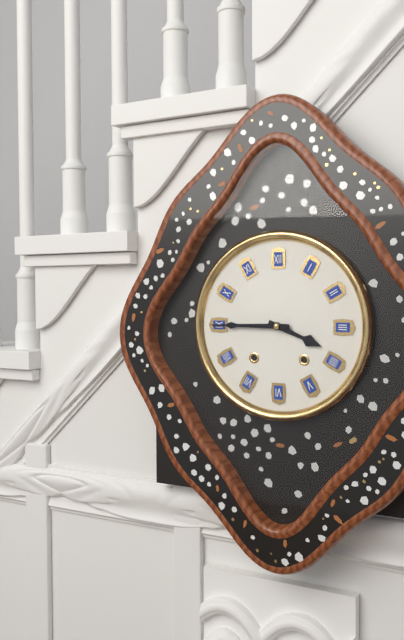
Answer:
3h45
